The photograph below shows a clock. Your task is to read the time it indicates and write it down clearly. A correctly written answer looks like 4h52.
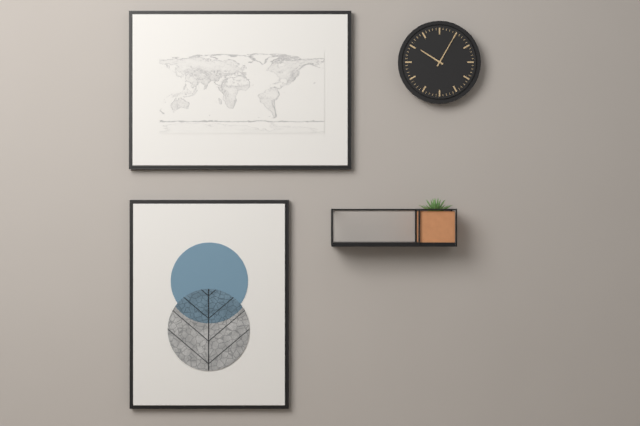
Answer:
10h05
